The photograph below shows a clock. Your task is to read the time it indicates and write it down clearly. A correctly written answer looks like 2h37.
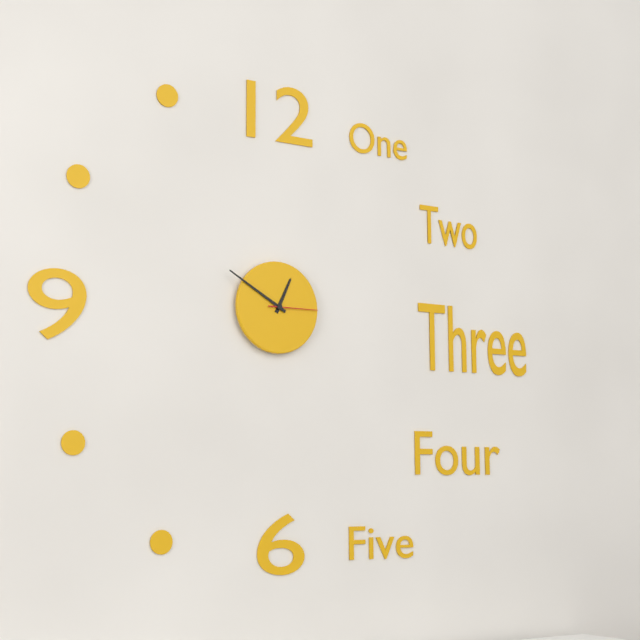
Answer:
12h50
